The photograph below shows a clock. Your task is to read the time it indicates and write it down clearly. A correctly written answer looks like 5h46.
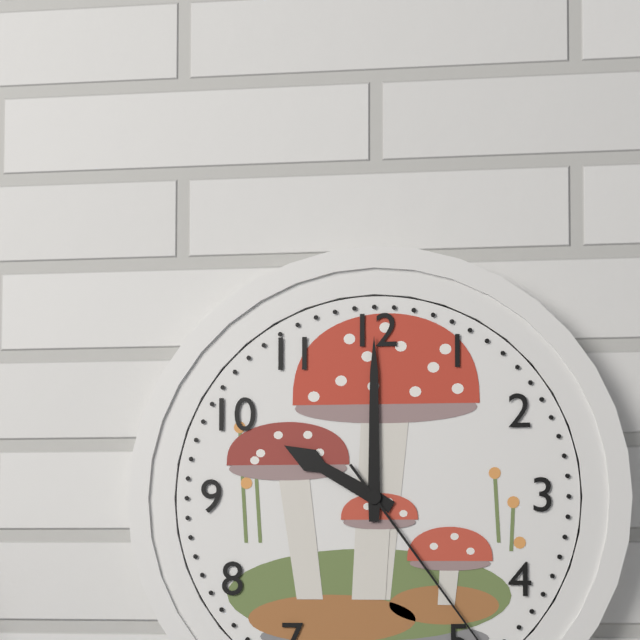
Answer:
10h00
